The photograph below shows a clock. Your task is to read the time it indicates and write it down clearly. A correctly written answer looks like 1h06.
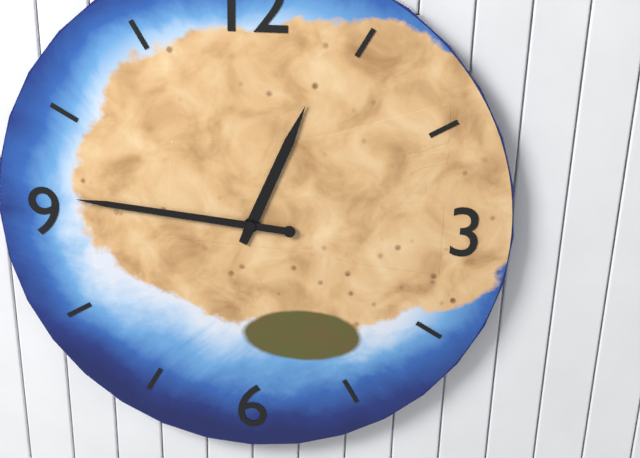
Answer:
12h46
